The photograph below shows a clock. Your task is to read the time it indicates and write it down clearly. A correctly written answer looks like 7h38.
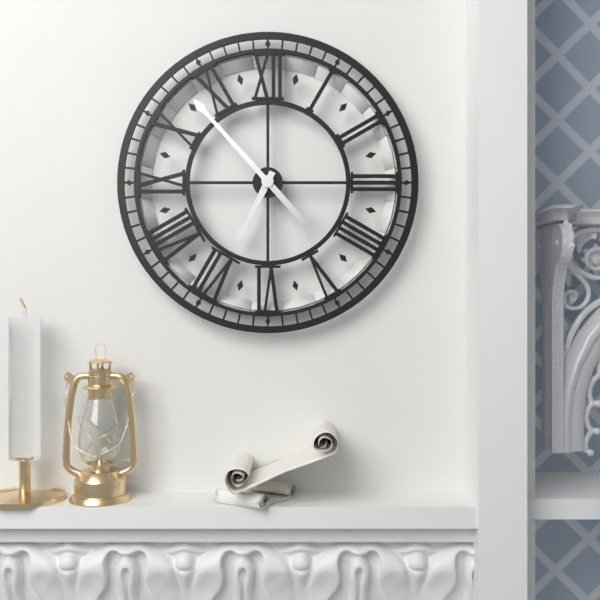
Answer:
6h53
